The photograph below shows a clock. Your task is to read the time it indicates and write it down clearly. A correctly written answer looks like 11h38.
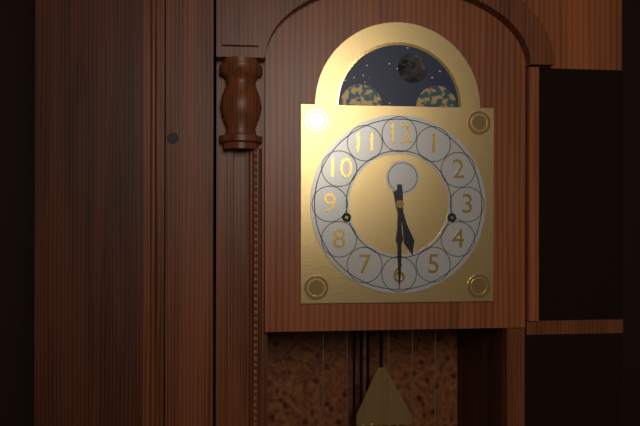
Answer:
5h30
